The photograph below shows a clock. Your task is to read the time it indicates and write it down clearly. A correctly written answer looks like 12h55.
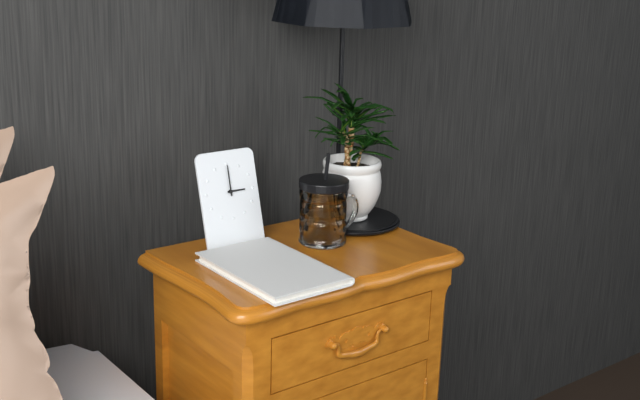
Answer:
3h00
